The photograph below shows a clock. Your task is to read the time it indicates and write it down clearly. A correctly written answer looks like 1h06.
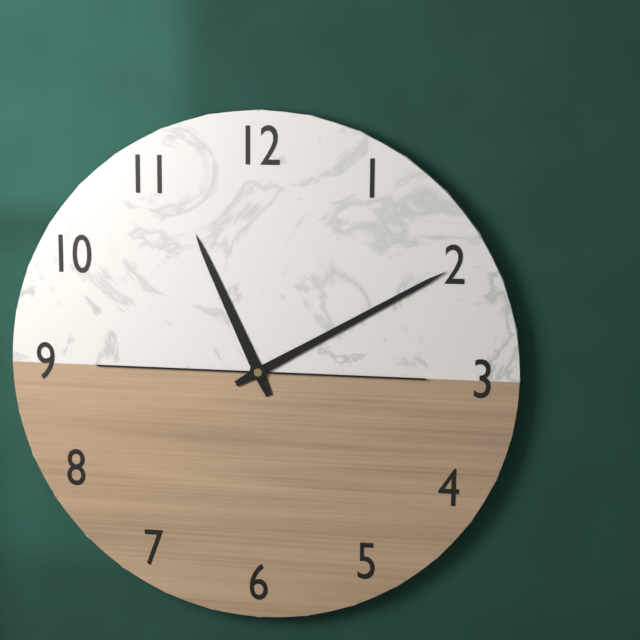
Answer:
11h10
